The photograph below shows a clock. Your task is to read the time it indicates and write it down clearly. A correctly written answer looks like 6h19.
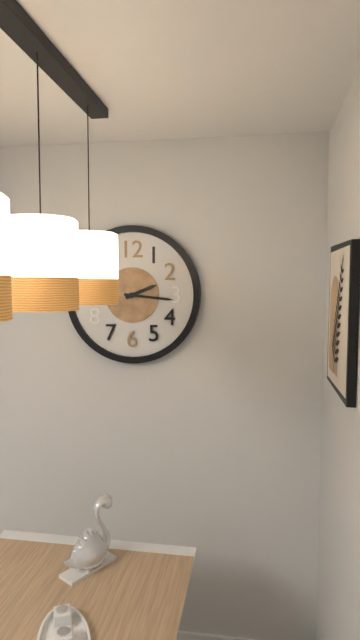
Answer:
2h16
